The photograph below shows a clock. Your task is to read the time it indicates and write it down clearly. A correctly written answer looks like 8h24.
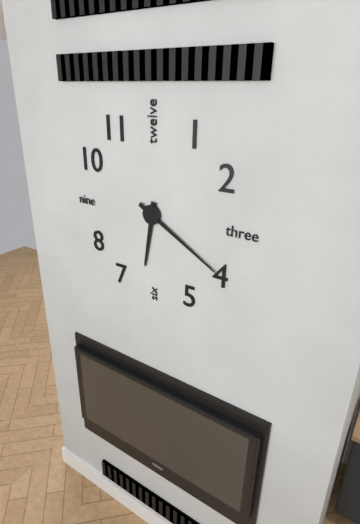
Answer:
6h20
